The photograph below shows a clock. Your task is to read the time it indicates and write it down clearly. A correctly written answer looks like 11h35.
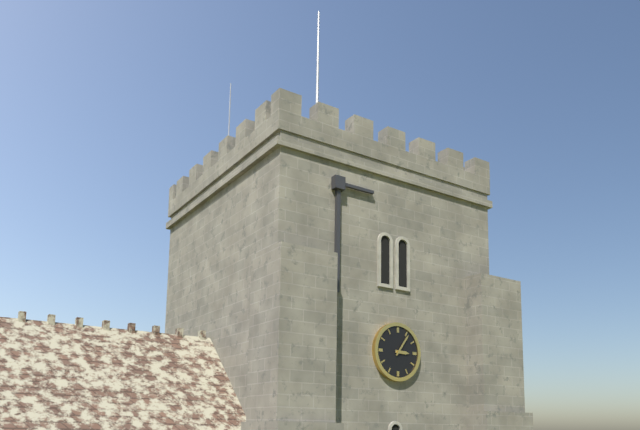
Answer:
3h06
